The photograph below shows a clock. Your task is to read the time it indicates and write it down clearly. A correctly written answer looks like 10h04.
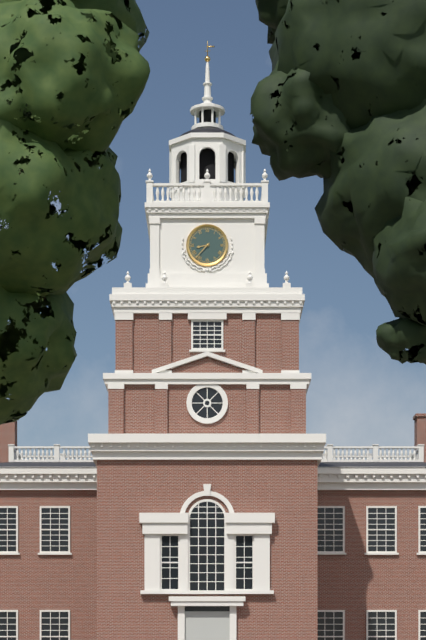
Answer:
8h37
